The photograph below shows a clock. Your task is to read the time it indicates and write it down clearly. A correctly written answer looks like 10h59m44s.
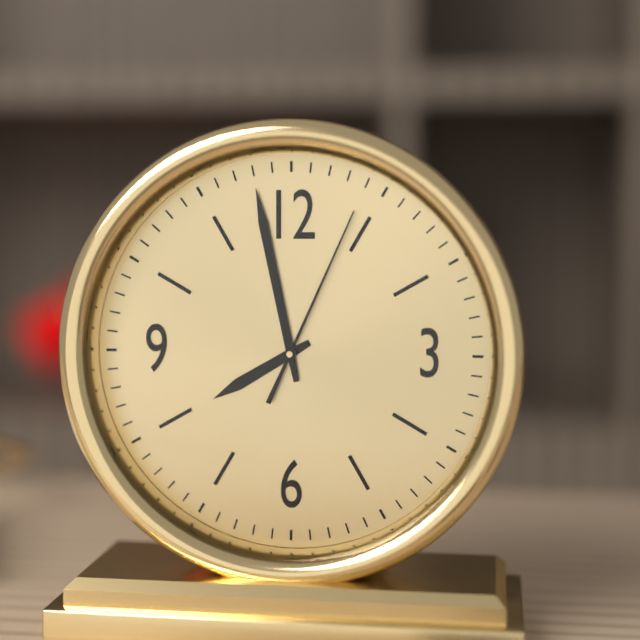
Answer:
7h58m04s
